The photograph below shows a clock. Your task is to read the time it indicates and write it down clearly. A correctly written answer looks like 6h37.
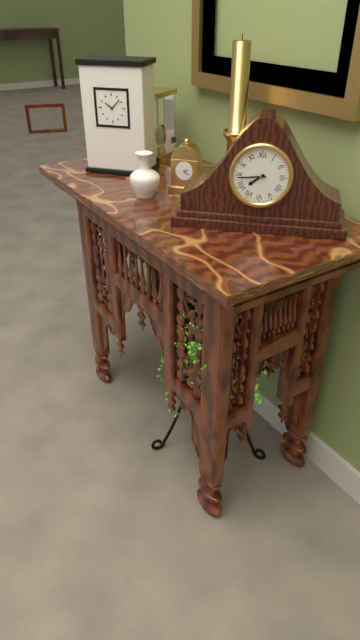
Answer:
7h44
